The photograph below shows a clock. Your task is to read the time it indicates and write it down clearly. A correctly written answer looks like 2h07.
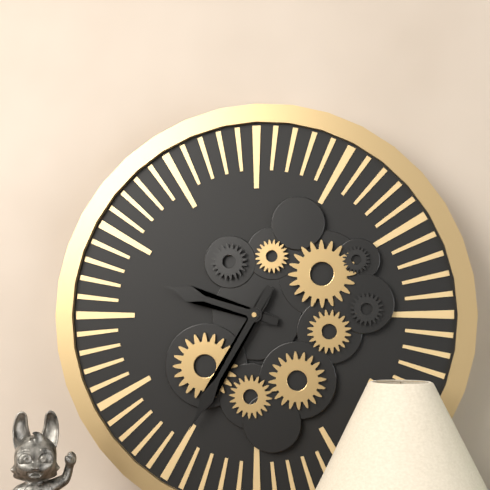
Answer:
9h35
